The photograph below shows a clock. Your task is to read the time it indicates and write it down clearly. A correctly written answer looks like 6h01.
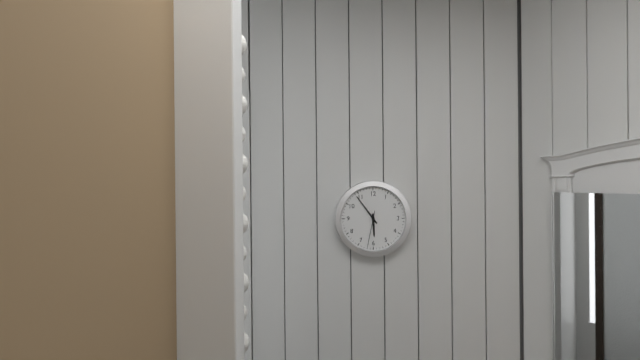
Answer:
5h54
